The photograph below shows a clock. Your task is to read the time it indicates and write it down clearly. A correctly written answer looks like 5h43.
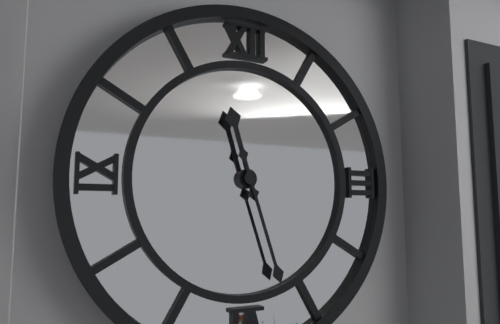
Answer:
11h27
